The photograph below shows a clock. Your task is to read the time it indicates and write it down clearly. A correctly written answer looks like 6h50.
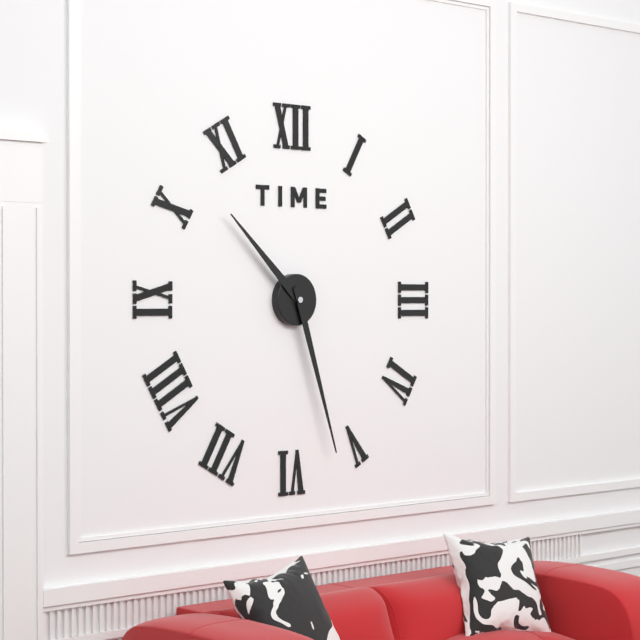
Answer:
10h27
